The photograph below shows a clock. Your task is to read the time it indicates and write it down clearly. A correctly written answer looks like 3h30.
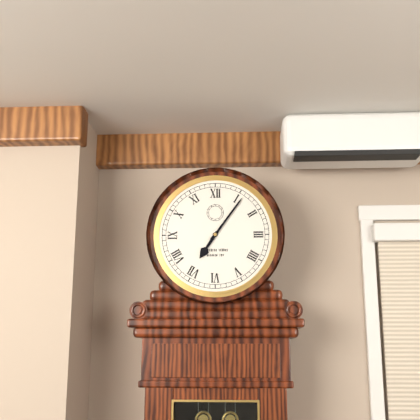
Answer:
7h06
